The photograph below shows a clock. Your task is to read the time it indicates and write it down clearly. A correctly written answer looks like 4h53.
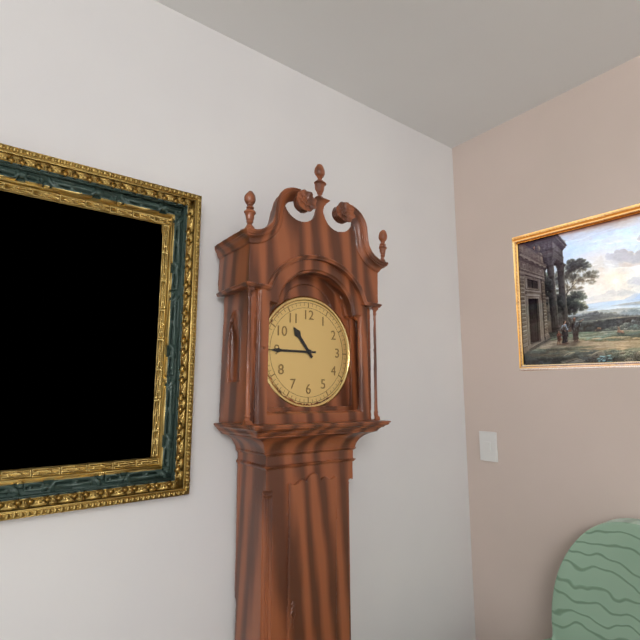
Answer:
10h45
